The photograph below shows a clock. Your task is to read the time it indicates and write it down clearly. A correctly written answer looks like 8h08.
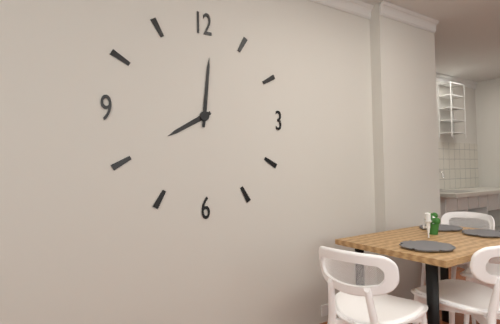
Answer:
8h01
